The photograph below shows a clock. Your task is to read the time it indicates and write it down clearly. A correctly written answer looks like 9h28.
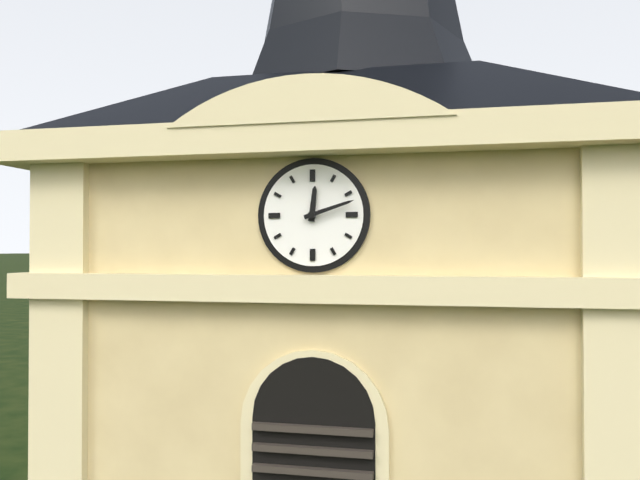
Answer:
12h12
